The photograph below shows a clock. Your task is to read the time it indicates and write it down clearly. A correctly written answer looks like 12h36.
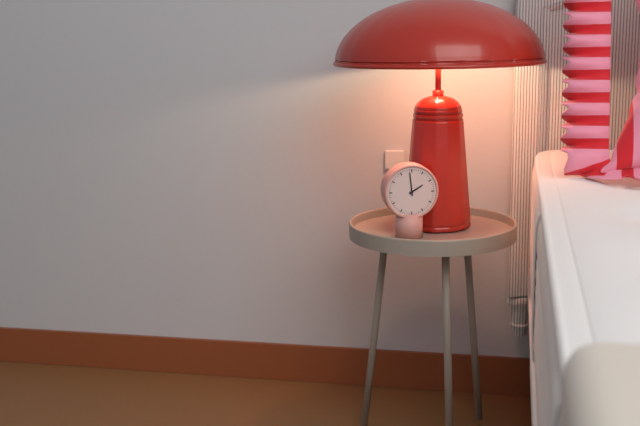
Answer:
1h59
